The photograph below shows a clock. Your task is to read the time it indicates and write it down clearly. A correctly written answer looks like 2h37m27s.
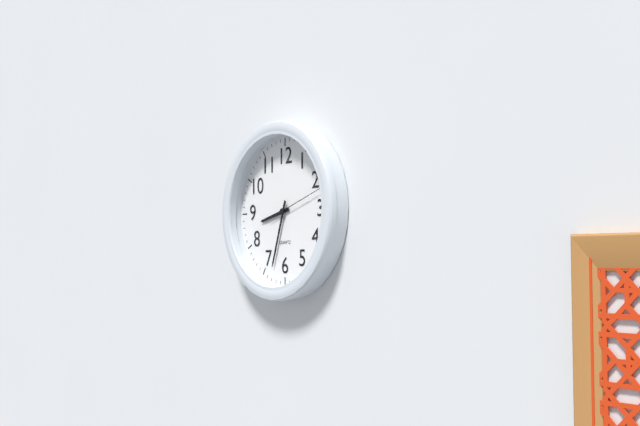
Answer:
8h33m12s
